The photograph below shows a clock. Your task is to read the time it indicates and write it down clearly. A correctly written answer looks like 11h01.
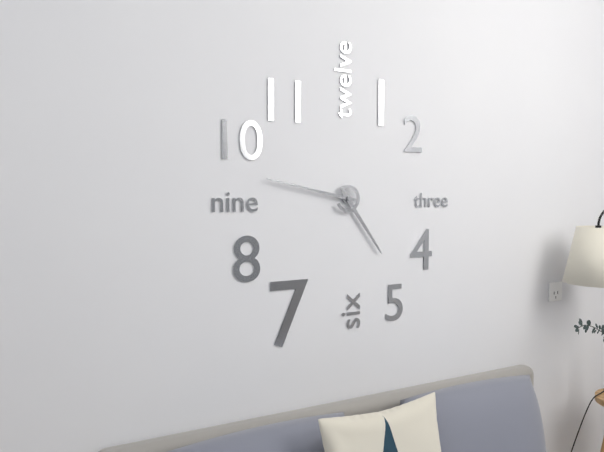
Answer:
4h47
